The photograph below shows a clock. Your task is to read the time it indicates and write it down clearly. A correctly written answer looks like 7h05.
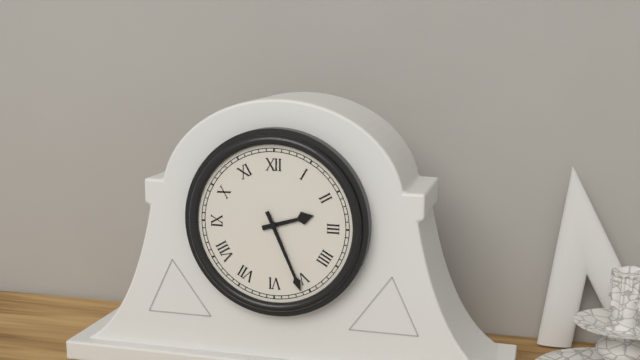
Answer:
2h26
